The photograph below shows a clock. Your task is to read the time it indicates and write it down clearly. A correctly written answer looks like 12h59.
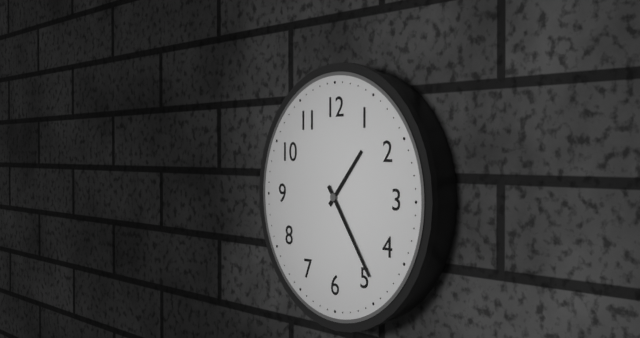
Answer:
1h24
